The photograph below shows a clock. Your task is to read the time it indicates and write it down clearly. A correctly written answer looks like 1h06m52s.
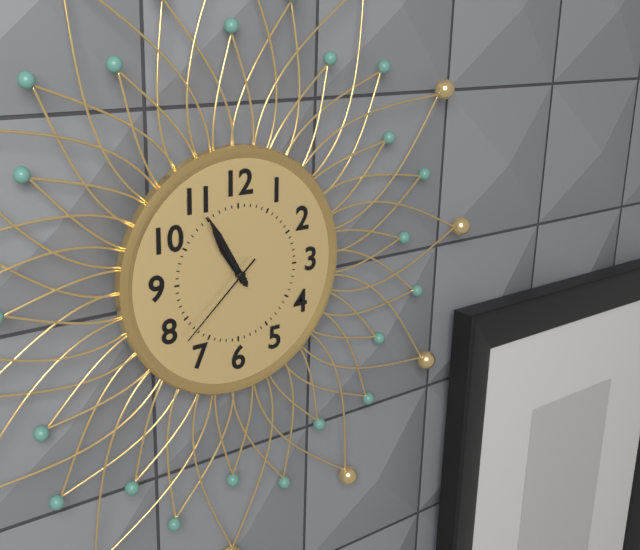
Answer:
10h55m38s
